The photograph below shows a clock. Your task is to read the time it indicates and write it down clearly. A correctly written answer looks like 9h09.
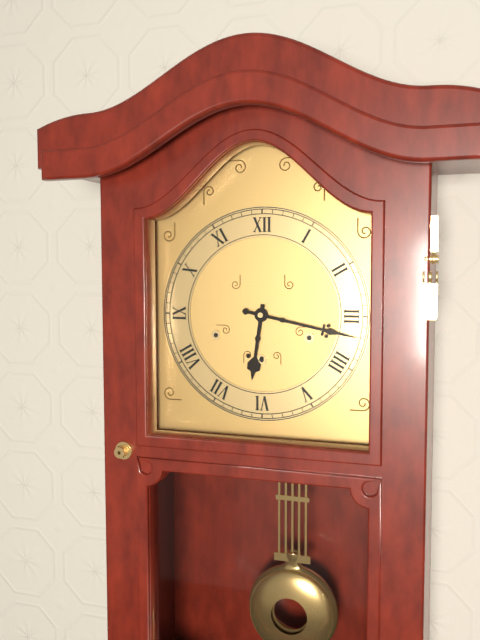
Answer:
6h17
